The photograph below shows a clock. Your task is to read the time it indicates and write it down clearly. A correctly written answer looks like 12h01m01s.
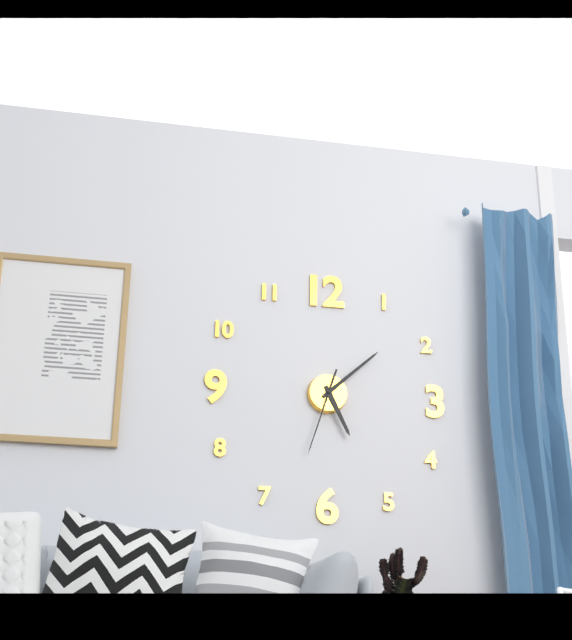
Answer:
5h08m33s
